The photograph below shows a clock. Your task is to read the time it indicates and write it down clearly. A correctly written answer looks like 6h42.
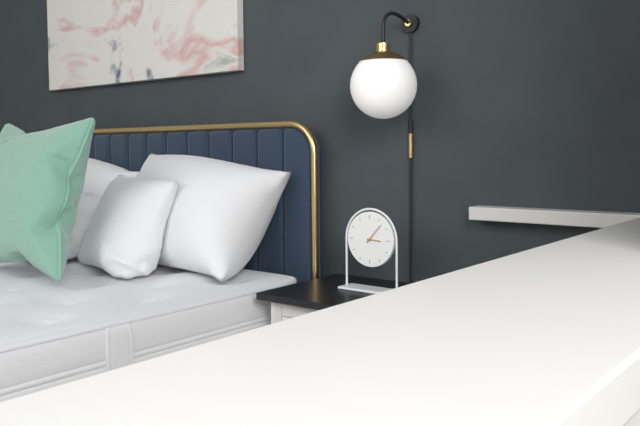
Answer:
3h07
